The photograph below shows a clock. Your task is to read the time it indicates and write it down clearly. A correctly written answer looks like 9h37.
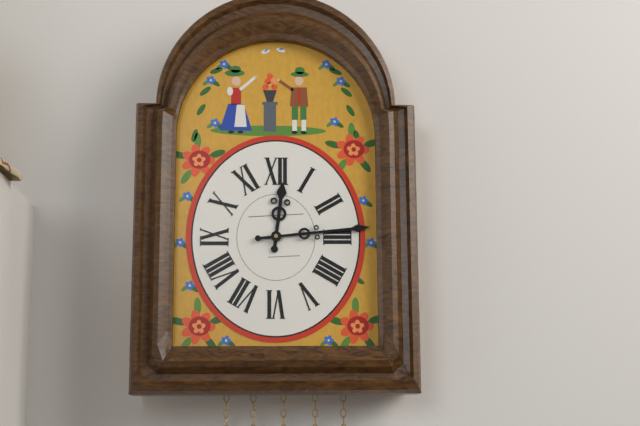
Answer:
12h14
